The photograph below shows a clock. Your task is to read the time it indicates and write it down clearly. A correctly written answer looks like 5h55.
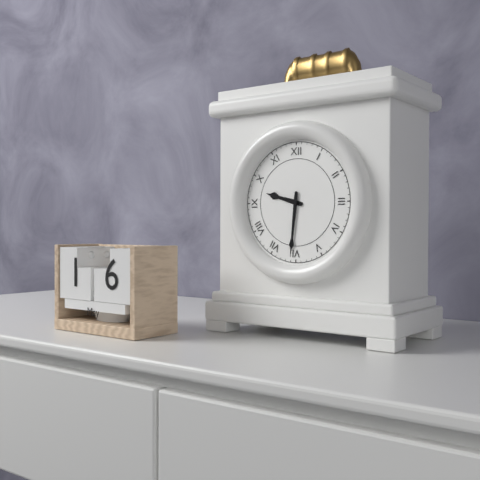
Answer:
9h31
